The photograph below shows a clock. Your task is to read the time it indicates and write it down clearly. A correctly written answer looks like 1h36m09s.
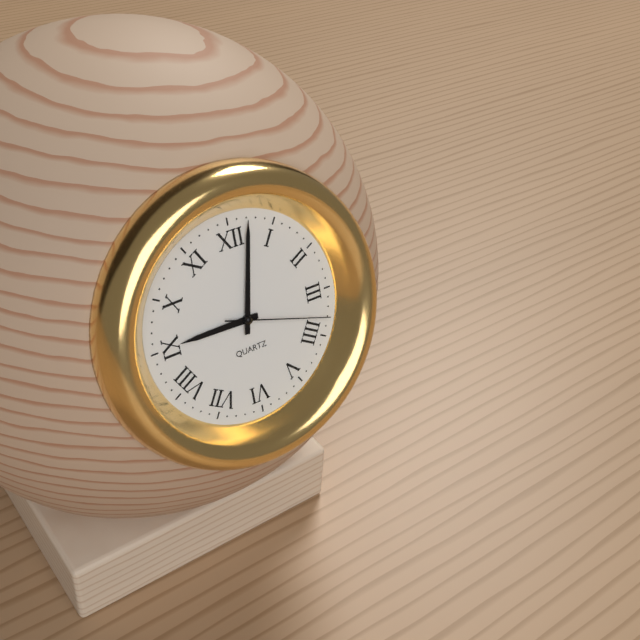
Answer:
9h02m18s
